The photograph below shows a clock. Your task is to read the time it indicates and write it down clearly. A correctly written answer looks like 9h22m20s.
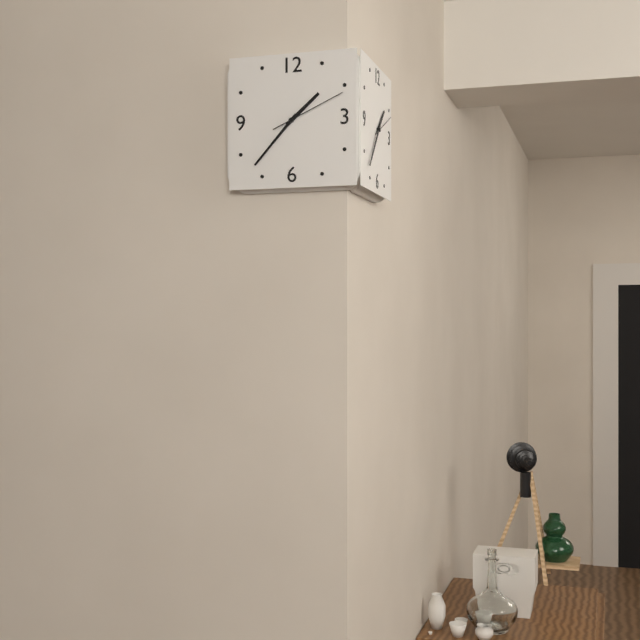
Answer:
1h37m11s
